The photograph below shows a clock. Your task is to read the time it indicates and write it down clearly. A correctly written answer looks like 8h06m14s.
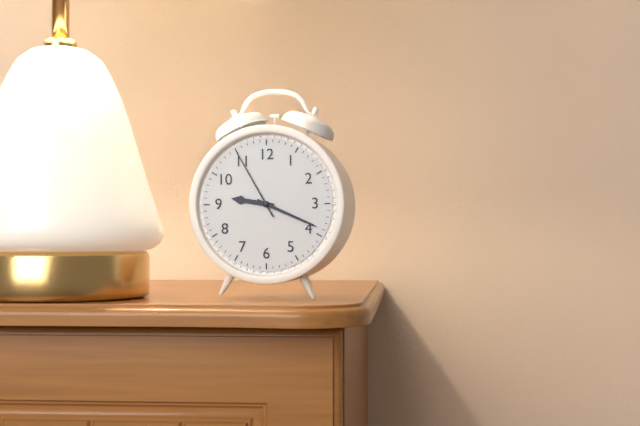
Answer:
9h19m55s
